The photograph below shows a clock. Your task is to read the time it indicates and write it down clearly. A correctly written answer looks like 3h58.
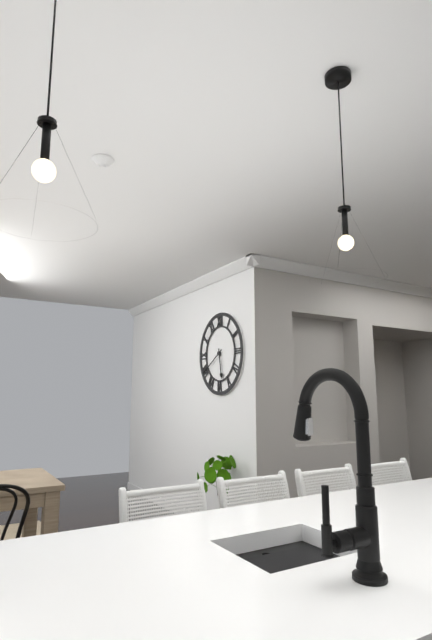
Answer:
5h40
